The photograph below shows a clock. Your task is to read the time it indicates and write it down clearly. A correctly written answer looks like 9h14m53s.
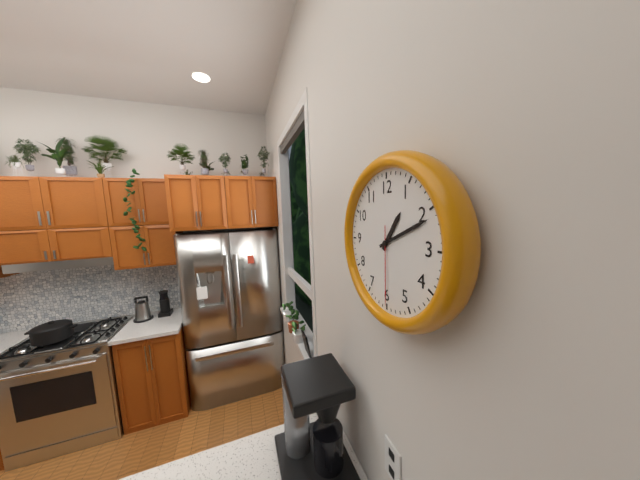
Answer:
1h11m30s
